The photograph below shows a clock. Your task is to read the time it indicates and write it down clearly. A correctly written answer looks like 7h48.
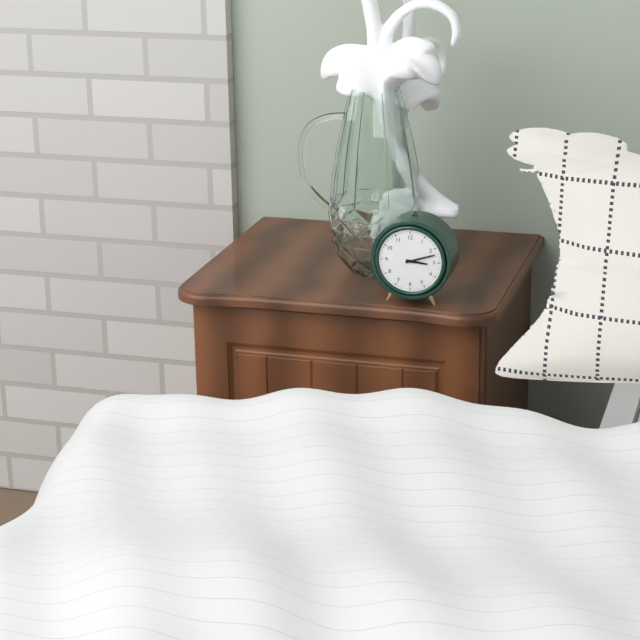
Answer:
3h12
